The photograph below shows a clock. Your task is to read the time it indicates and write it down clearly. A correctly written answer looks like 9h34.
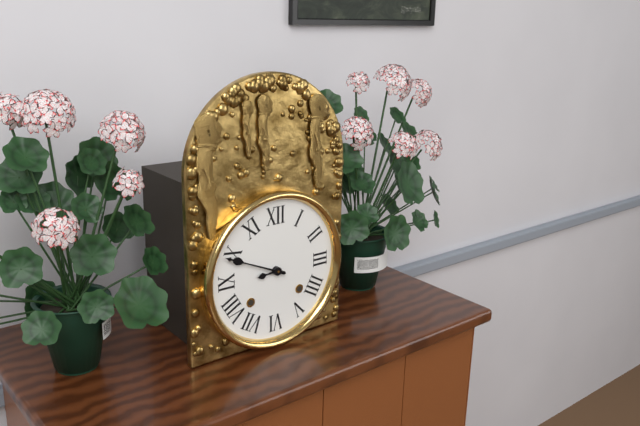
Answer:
8h49
